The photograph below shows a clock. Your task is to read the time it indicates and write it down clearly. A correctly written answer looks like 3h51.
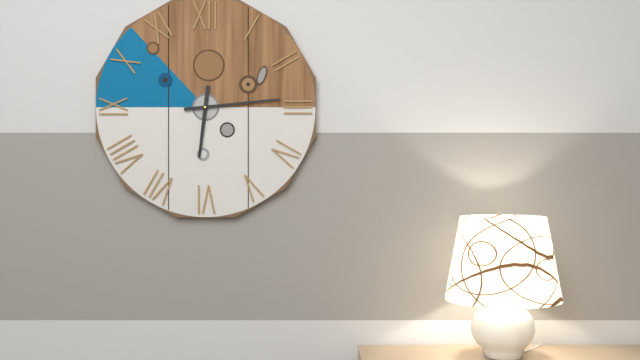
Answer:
6h14
